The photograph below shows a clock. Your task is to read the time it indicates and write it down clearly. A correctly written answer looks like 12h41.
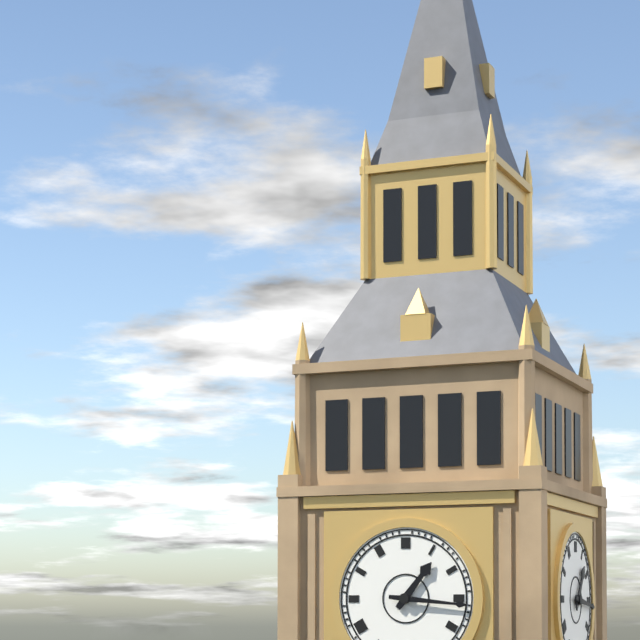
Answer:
1h16
